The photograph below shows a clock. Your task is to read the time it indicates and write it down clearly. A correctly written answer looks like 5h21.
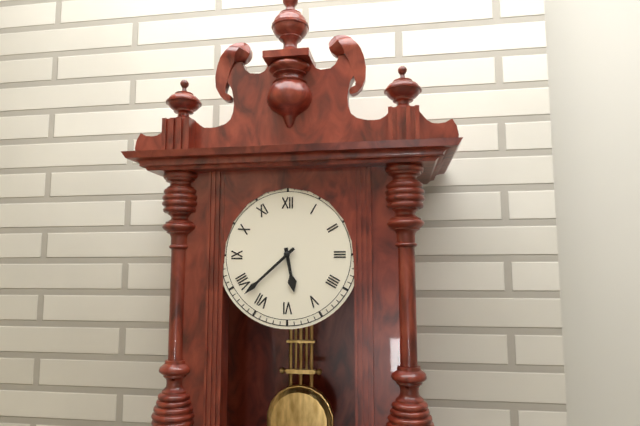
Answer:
5h38
